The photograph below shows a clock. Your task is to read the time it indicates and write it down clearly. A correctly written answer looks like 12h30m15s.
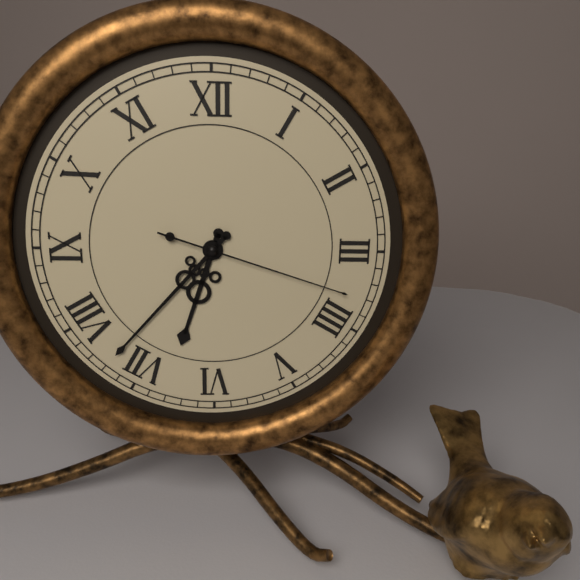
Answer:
6h37m18s
